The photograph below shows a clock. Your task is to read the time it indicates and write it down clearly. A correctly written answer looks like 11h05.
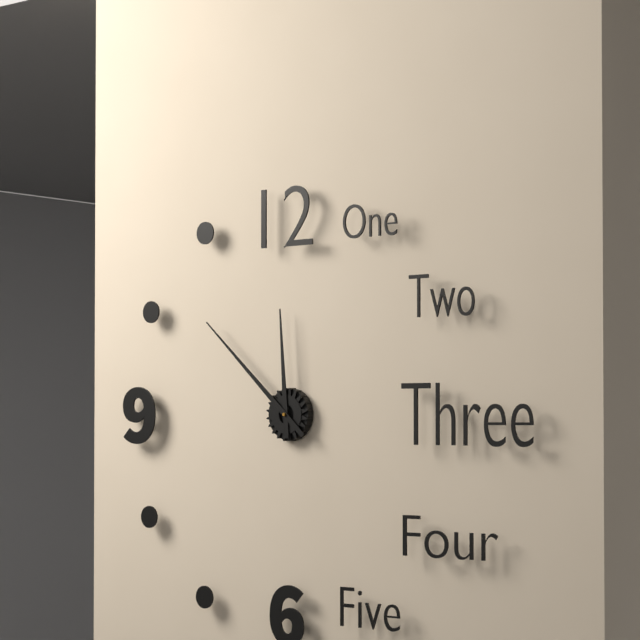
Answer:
11h52
